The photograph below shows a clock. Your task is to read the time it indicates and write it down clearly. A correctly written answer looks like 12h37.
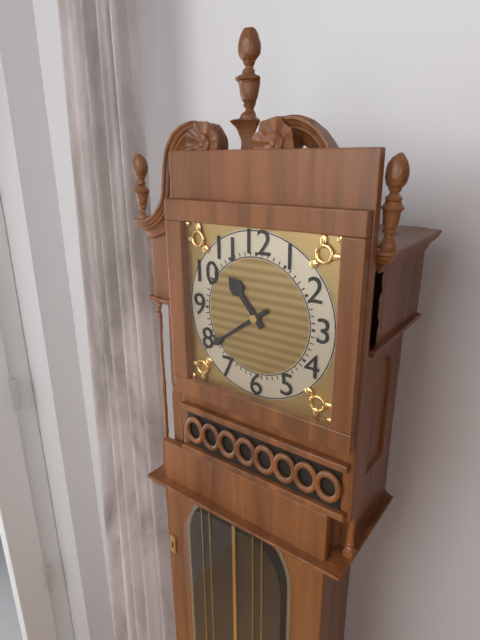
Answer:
10h39
